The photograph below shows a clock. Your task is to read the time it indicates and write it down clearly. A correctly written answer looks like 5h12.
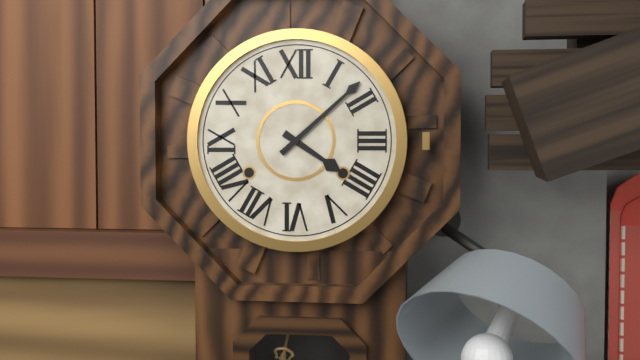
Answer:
4h08
